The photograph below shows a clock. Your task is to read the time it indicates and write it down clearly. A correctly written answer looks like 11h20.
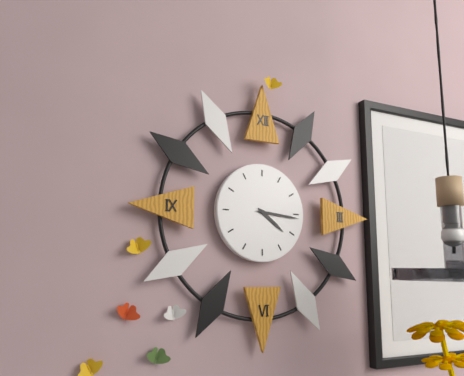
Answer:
4h16
